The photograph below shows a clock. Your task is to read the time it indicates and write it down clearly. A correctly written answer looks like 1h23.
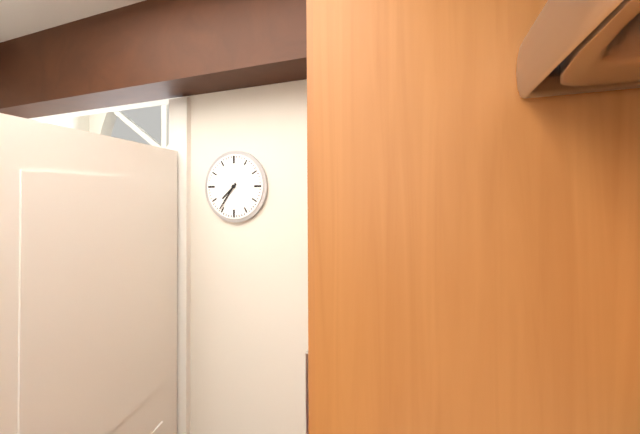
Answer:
7h36
